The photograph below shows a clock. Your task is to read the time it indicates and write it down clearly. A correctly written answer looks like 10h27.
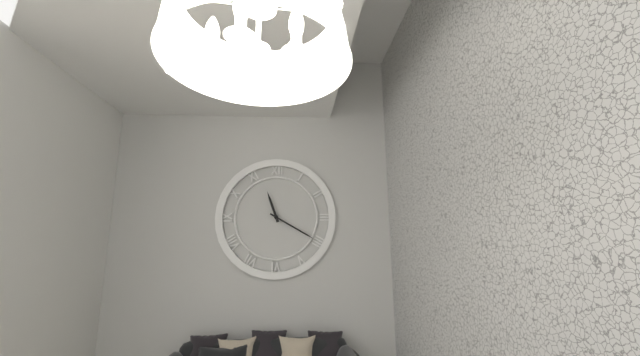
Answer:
11h20
